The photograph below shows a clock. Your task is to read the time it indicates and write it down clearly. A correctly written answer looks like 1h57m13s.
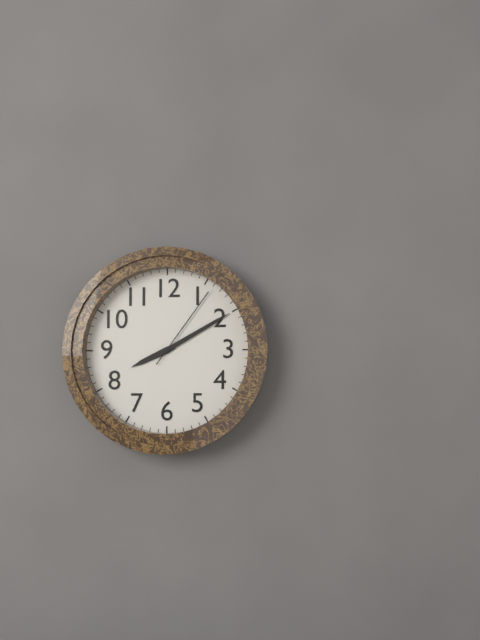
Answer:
8h10m06s
